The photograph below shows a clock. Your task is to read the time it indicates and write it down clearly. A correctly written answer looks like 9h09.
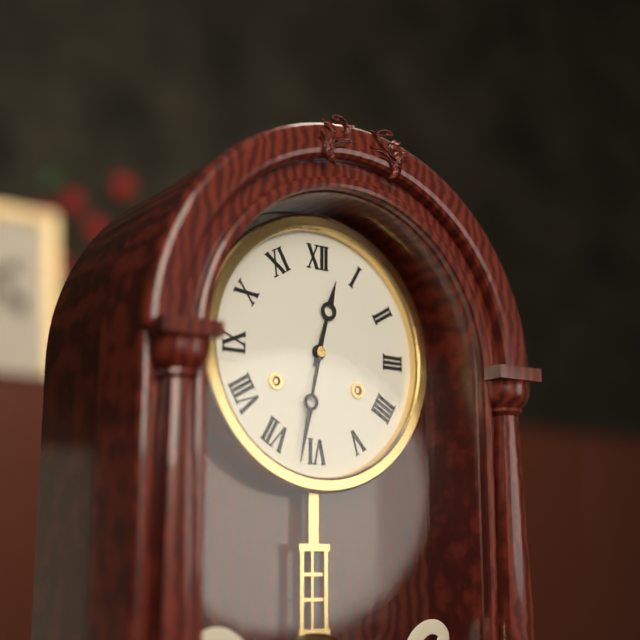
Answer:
12h32
